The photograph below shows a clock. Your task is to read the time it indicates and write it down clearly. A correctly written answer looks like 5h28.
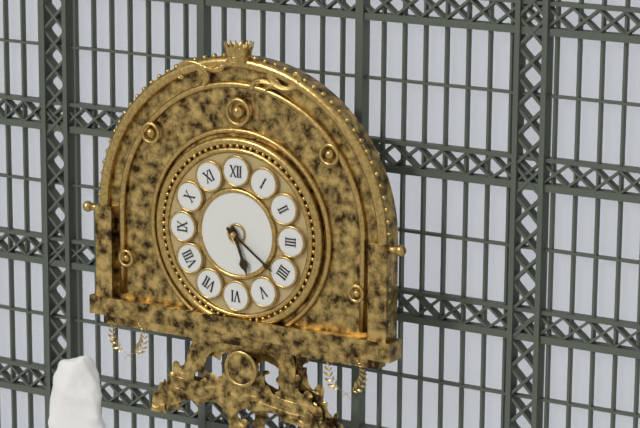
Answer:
5h21
